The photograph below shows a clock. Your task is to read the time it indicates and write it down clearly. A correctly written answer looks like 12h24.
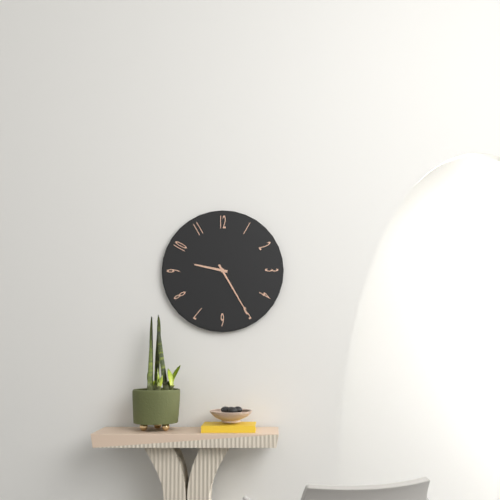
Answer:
9h25
